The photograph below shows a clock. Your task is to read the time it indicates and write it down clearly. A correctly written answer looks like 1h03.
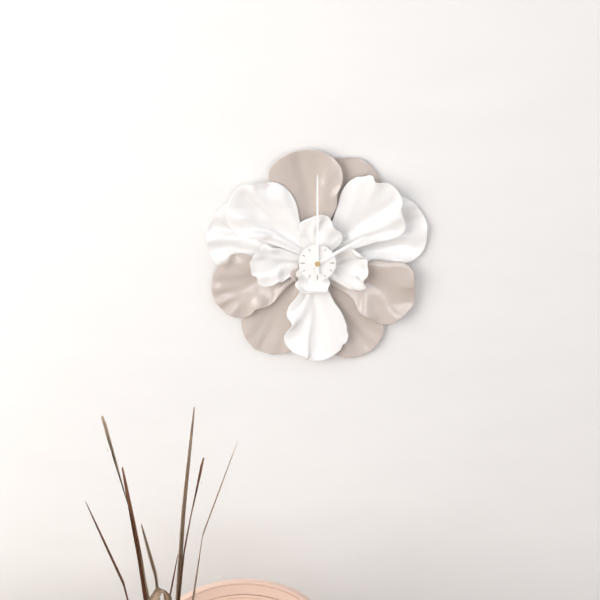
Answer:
2h00
